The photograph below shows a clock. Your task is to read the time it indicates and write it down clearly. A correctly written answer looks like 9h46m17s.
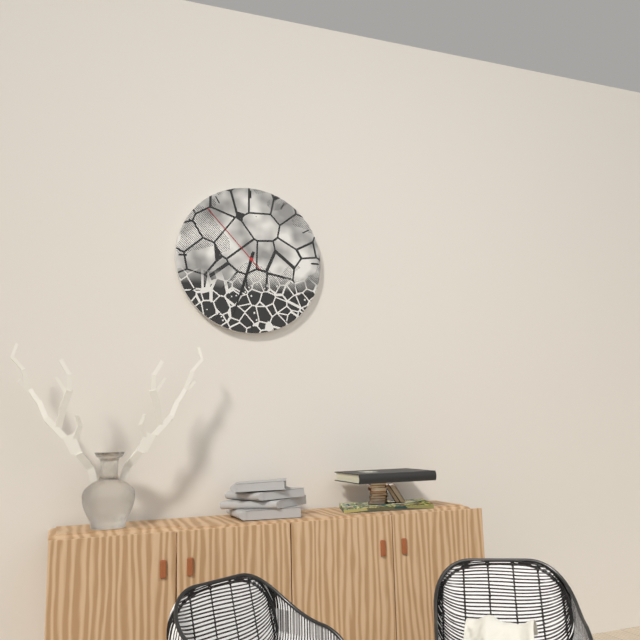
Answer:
6h33m53s
